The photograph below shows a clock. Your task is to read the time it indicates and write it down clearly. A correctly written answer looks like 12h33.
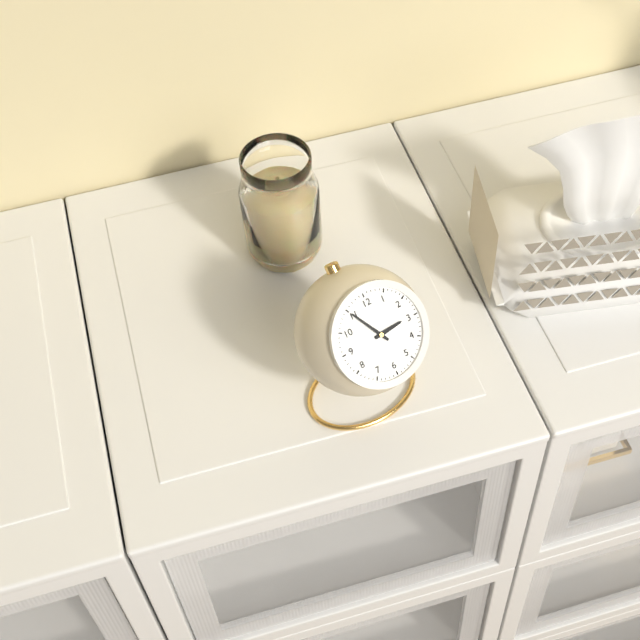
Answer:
2h55
